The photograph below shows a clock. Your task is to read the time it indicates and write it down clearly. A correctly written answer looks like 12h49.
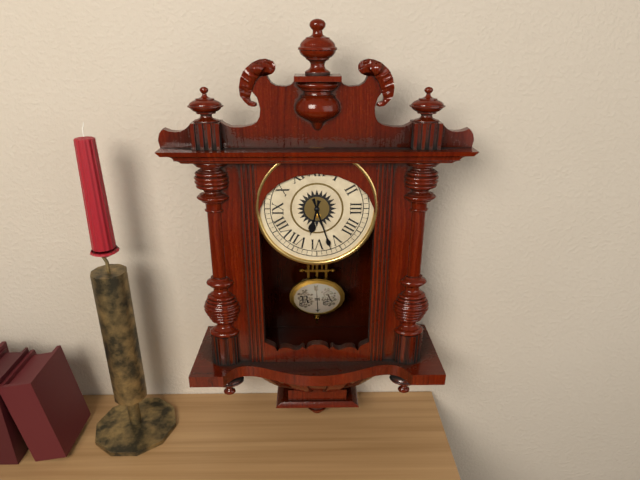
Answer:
6h27
